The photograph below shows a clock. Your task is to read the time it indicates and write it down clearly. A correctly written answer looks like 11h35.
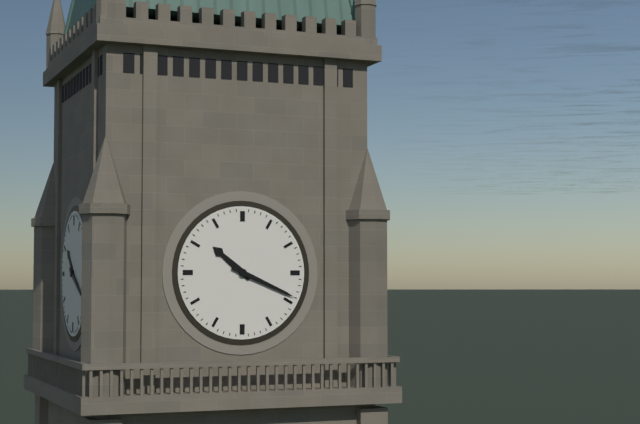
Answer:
10h19
